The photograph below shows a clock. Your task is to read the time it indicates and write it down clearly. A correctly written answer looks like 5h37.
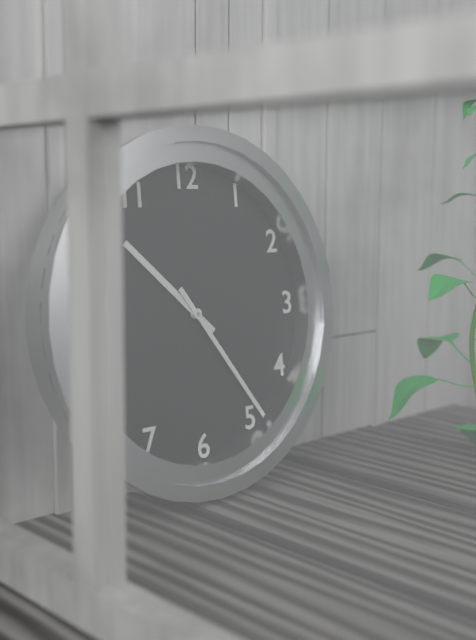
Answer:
10h24
